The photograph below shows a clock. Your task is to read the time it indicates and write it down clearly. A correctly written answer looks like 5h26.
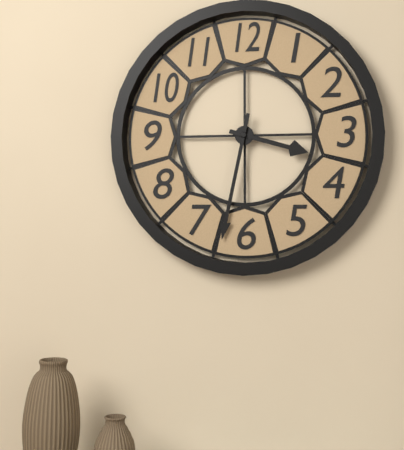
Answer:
3h32
